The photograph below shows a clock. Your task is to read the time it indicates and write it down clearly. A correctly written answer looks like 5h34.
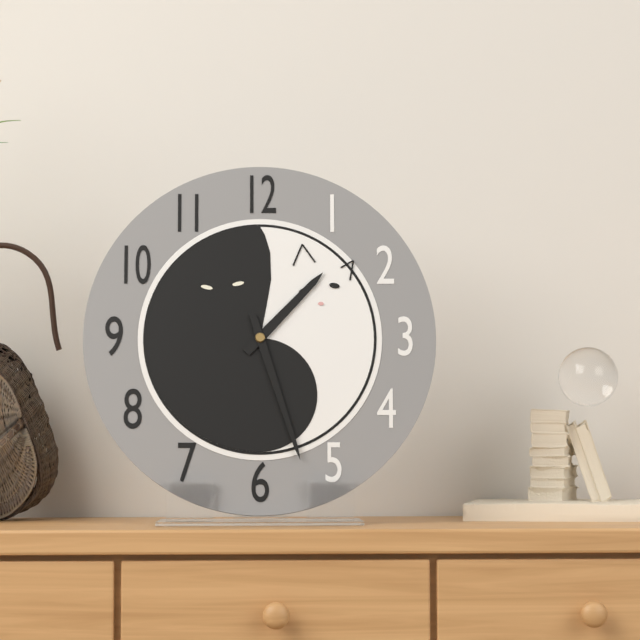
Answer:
1h27
